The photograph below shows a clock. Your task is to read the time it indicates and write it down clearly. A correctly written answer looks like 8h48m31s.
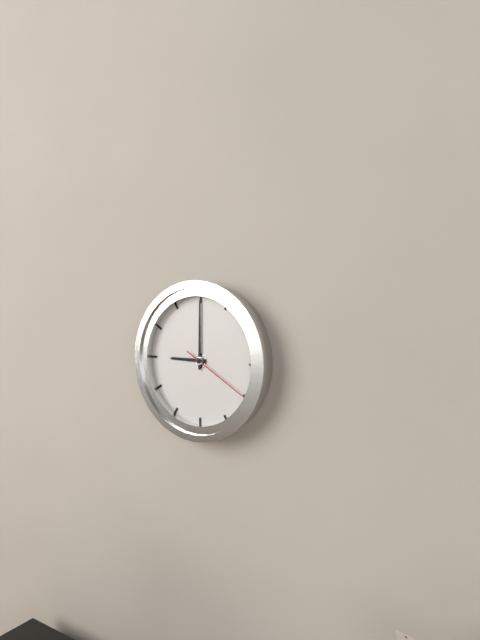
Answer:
9h00m20s
